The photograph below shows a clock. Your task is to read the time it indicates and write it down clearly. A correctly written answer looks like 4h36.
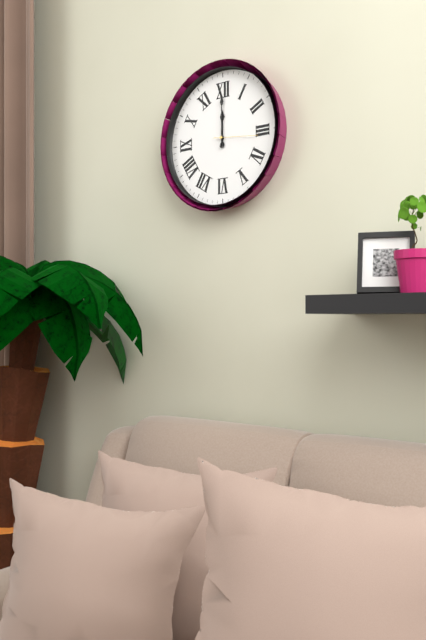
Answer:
12h00
